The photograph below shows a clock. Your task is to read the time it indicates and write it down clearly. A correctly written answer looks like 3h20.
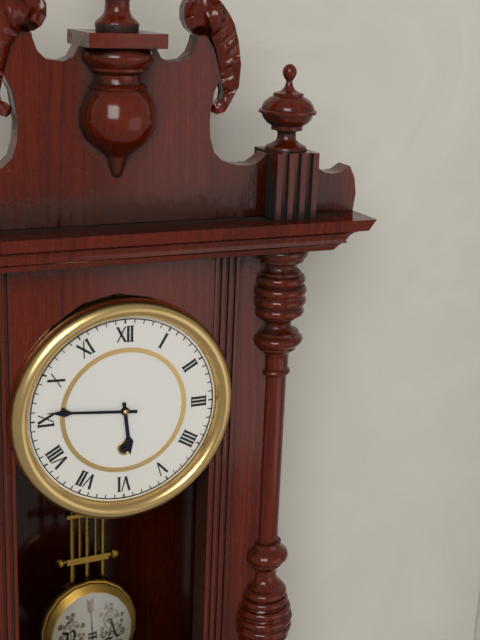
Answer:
5h46
